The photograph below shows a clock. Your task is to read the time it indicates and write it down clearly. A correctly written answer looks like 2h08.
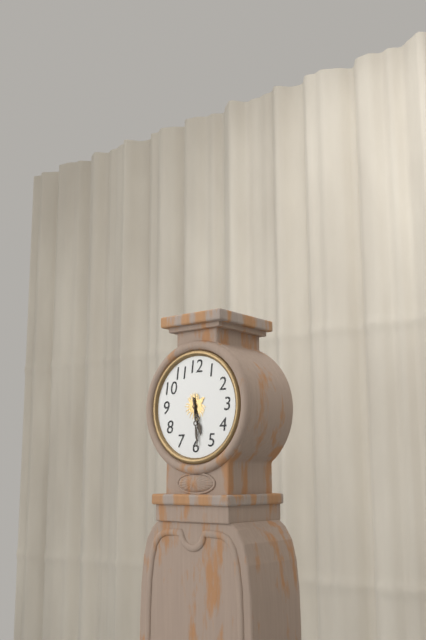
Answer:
5h29
